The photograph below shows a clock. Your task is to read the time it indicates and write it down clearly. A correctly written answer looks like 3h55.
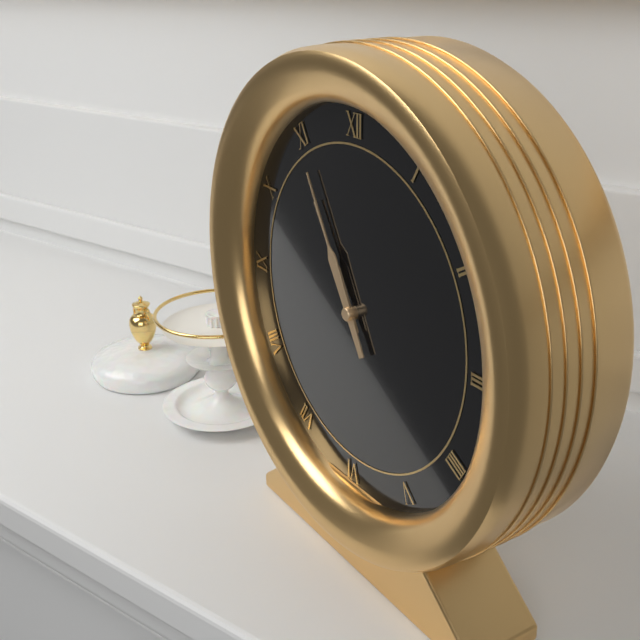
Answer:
10h55
